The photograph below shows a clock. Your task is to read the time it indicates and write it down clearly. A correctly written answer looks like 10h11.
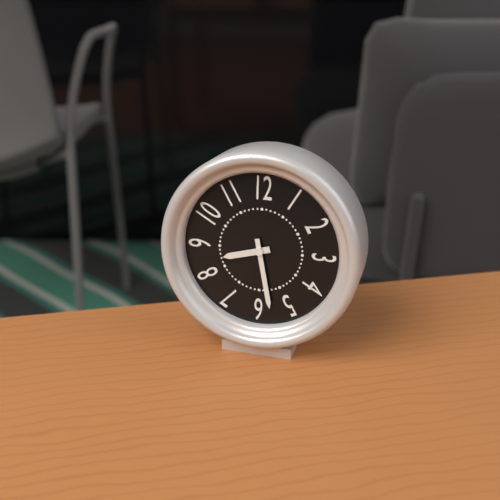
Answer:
8h28
